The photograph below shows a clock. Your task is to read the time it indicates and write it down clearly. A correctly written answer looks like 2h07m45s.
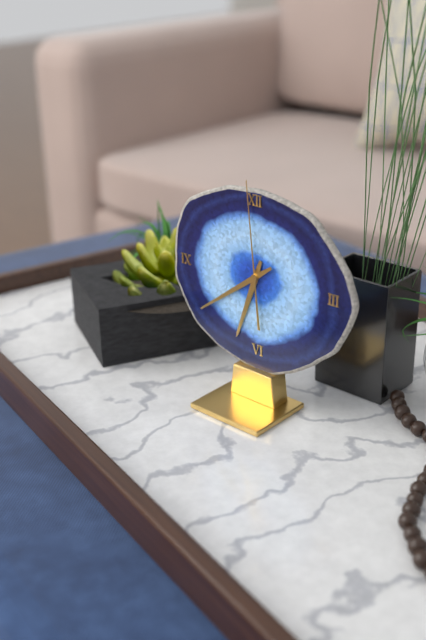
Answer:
6h39m59s
